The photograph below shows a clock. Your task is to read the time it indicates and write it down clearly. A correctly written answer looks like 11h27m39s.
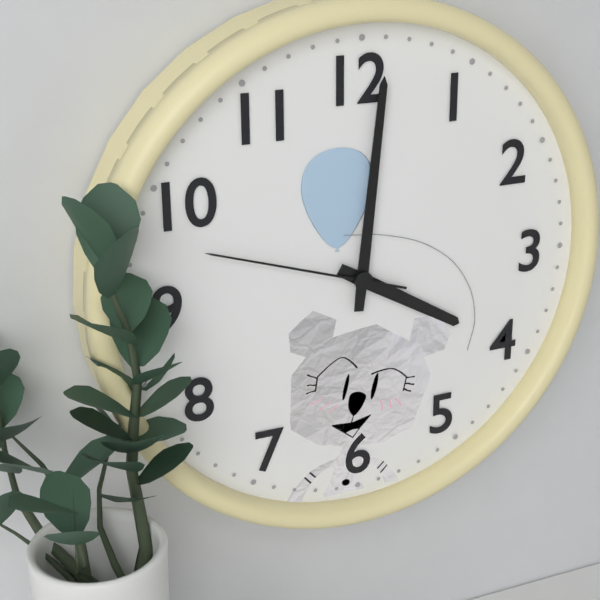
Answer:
4h01m48s
